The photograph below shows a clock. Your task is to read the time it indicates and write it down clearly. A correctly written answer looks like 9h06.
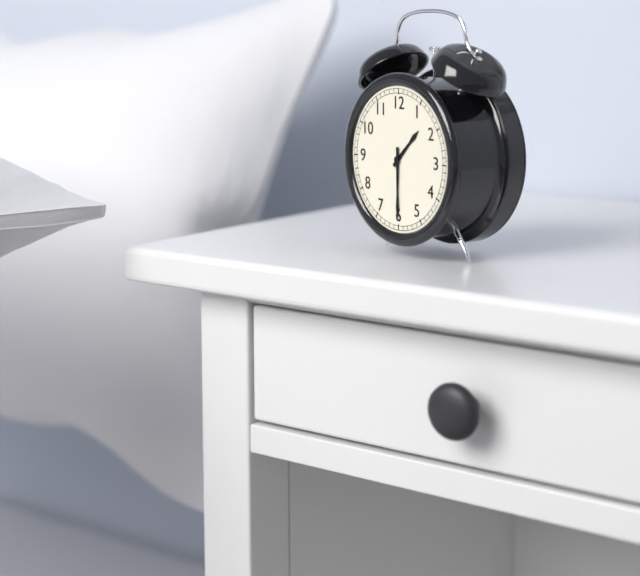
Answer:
1h30
